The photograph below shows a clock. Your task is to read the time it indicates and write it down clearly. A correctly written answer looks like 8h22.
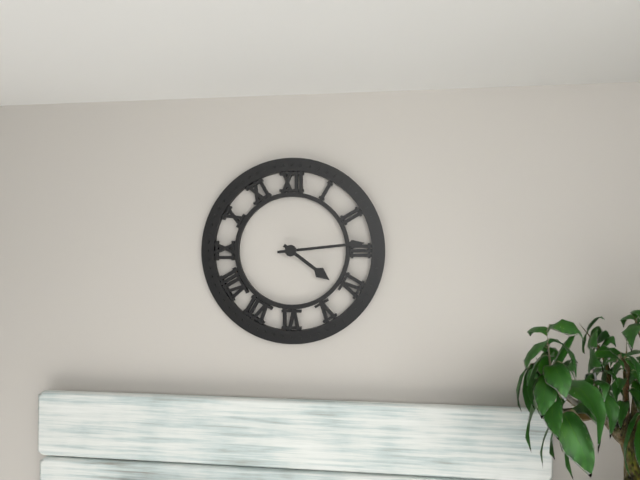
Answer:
4h14
